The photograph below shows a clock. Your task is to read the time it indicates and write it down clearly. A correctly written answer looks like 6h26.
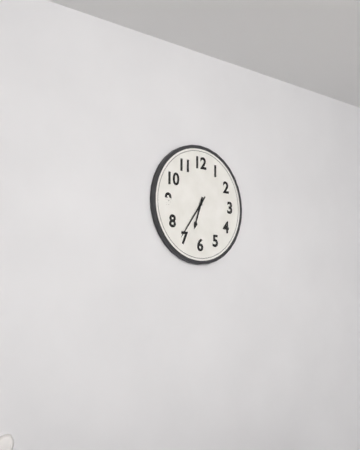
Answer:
6h36
